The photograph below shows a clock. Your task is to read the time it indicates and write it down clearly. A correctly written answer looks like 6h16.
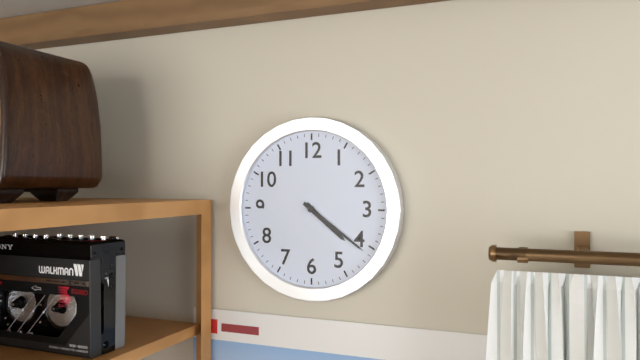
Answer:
4h21
